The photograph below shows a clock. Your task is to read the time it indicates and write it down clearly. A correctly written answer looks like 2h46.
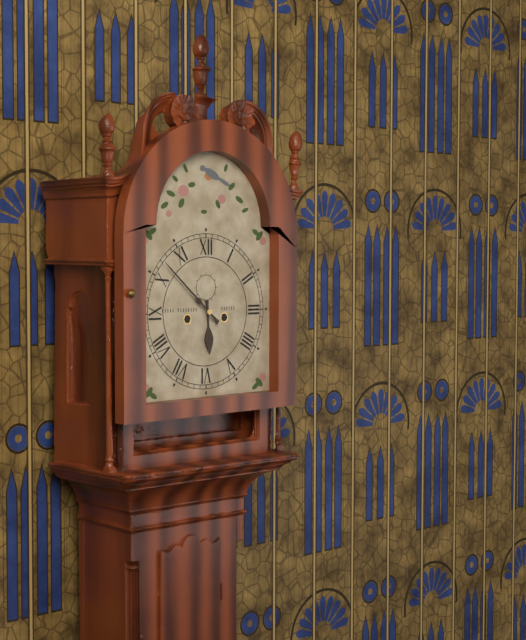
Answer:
5h52
